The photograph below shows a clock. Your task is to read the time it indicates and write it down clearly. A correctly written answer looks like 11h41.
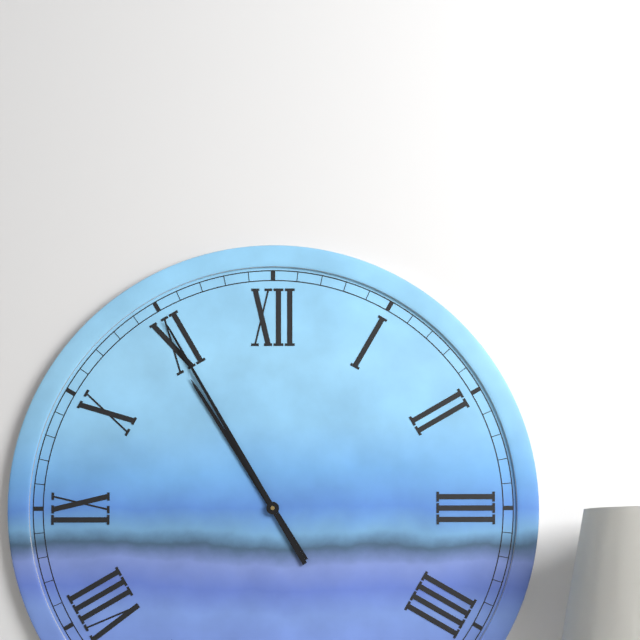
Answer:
10h55
